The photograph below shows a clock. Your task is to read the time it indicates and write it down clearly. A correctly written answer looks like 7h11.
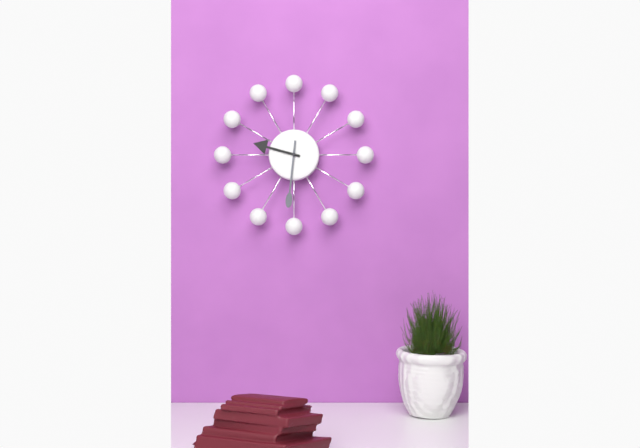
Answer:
9h31
